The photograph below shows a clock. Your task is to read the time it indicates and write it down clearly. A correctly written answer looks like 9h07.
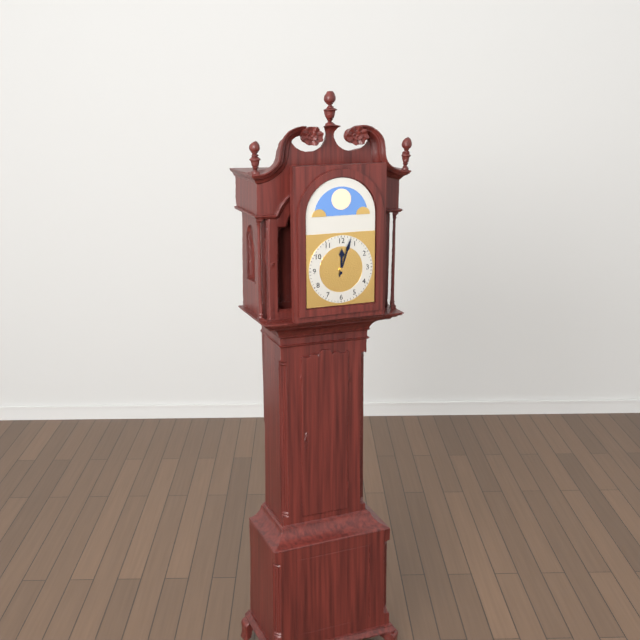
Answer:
12h03
